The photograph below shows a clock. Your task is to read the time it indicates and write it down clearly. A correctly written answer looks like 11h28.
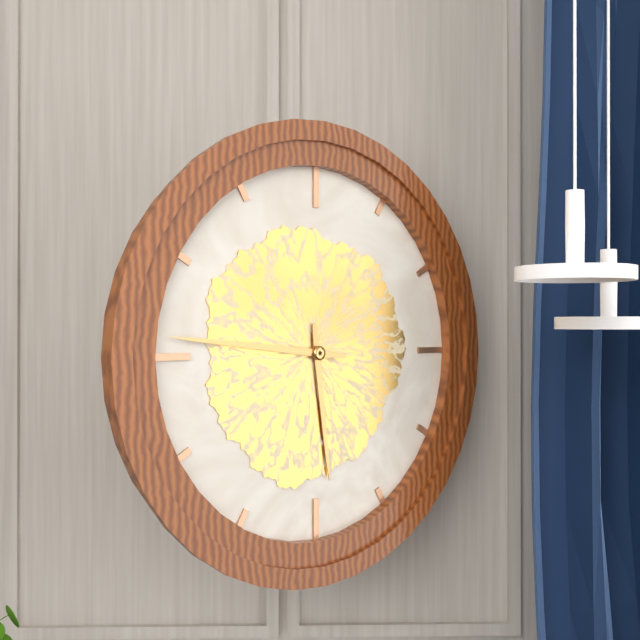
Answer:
5h46
